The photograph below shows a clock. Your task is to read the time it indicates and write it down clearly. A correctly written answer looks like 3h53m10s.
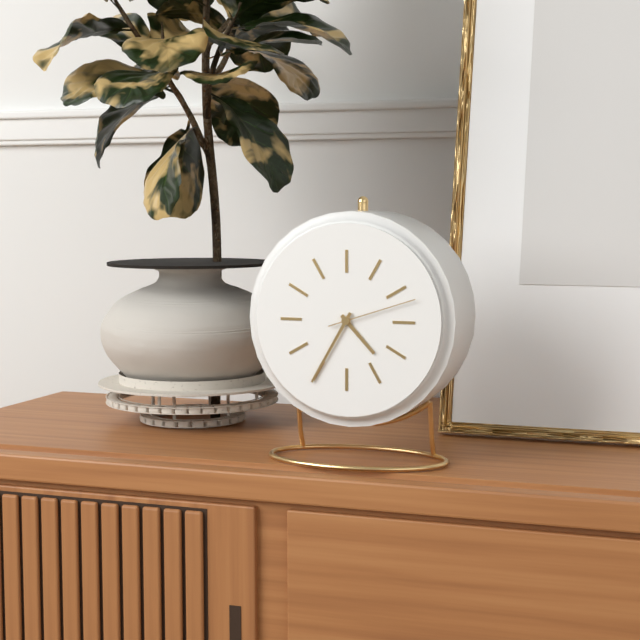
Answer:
4h35m12s
